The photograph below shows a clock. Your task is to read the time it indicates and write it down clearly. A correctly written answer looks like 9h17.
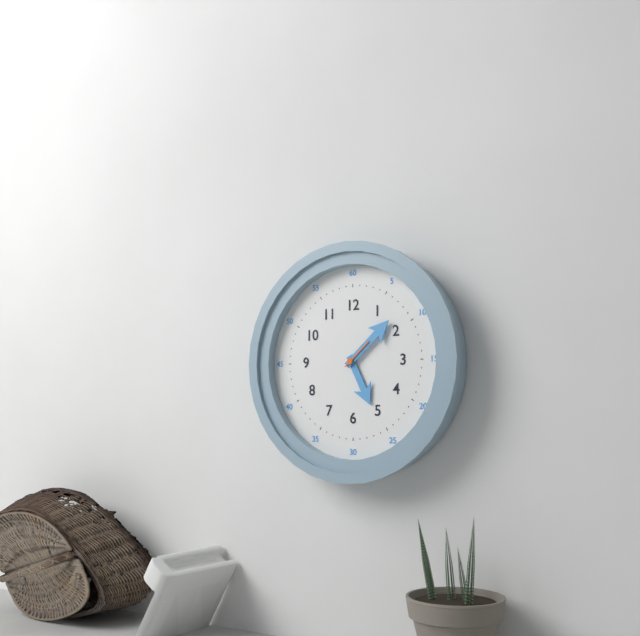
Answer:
5h08
